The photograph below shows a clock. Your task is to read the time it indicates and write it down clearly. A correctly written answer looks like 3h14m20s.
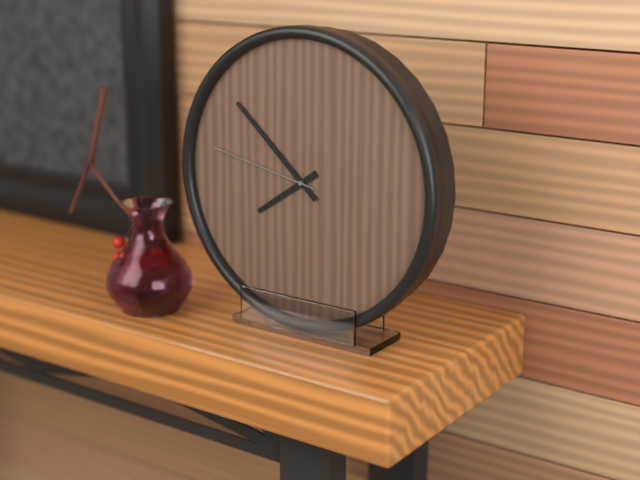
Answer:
7h52m47s
